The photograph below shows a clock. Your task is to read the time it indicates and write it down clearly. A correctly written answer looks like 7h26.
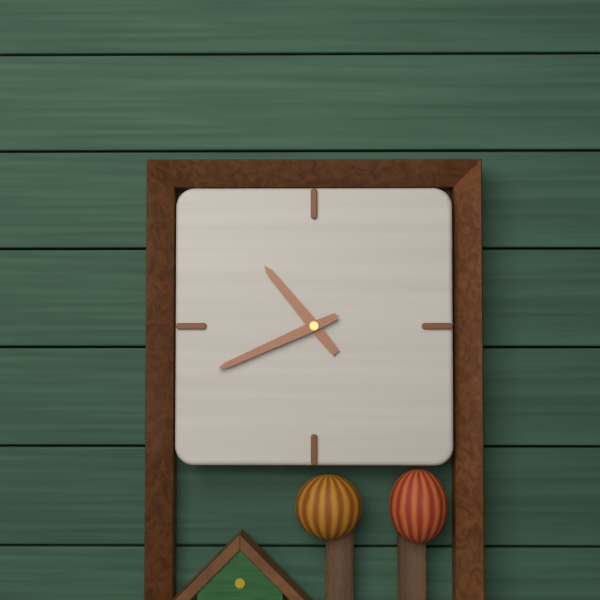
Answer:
10h41
